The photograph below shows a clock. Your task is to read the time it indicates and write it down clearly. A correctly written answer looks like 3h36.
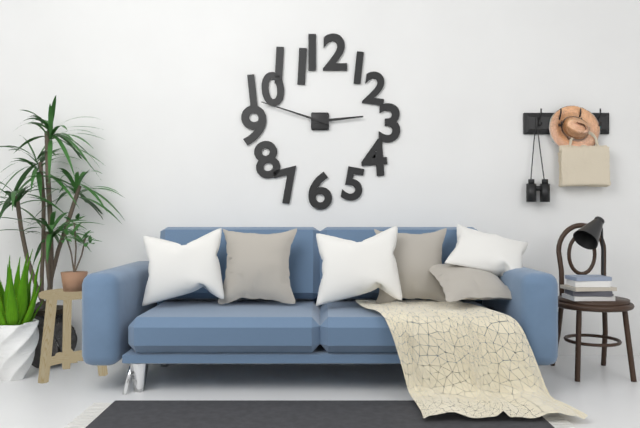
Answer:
2h48
